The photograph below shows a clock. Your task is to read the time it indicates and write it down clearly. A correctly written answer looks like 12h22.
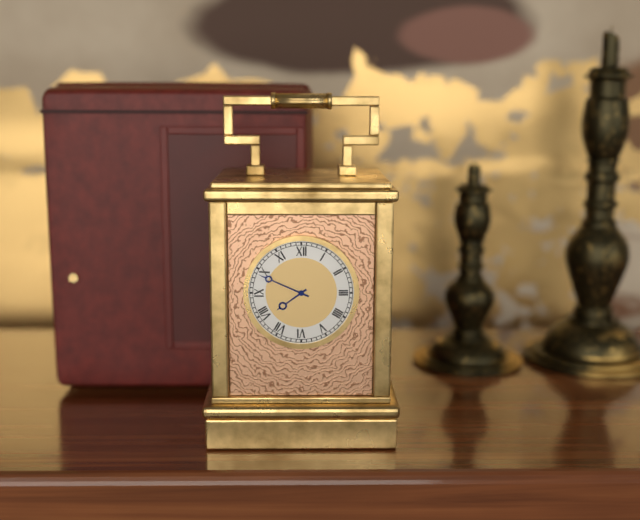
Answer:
7h49
